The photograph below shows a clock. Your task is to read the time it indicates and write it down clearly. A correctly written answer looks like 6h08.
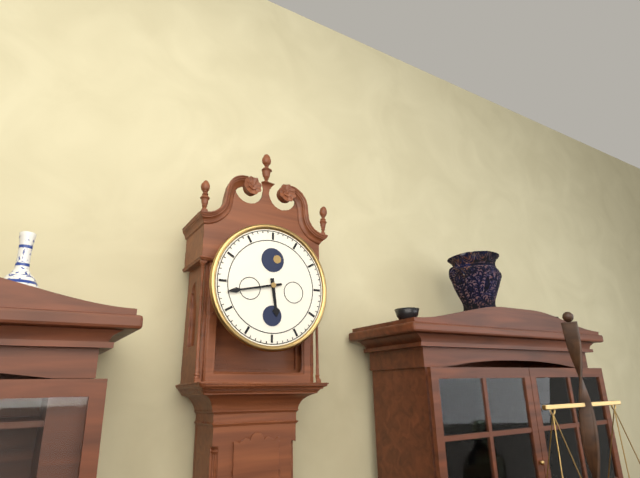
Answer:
5h43
